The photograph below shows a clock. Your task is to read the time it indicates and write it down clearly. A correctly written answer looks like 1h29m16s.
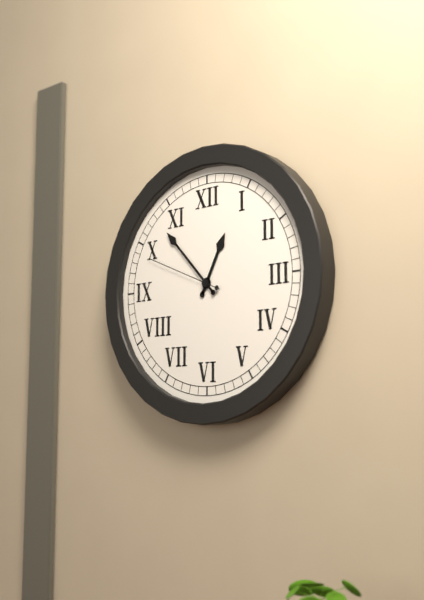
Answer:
12h53m49s
